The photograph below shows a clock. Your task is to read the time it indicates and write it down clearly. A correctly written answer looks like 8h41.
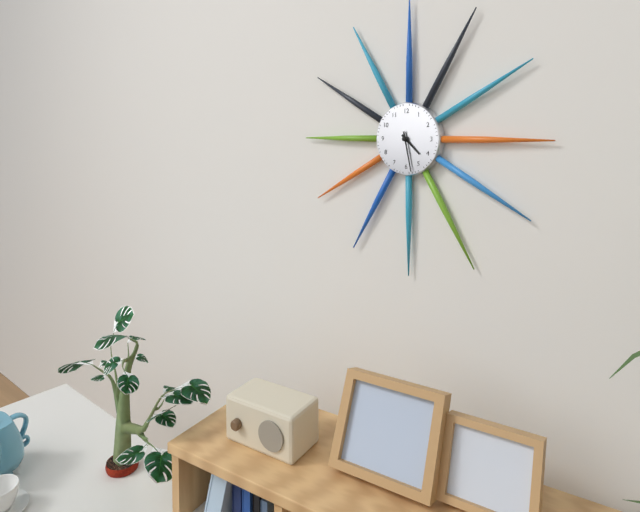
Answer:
4h28
